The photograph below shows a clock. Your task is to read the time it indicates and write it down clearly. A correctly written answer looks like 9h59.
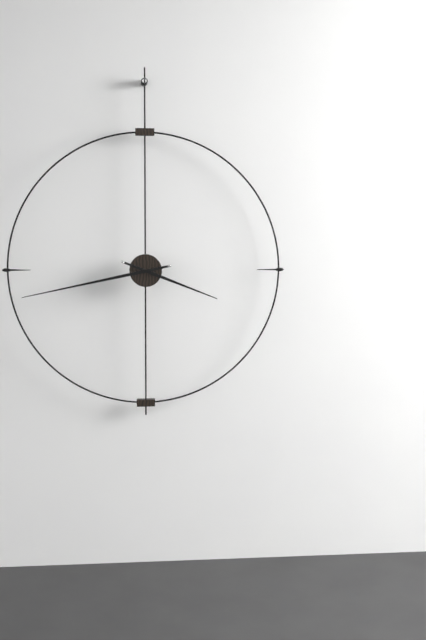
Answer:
3h43
